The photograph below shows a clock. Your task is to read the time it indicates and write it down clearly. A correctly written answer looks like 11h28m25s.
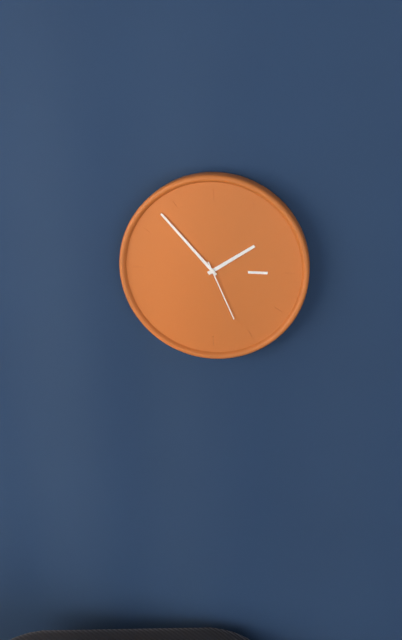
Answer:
1h53m26s
